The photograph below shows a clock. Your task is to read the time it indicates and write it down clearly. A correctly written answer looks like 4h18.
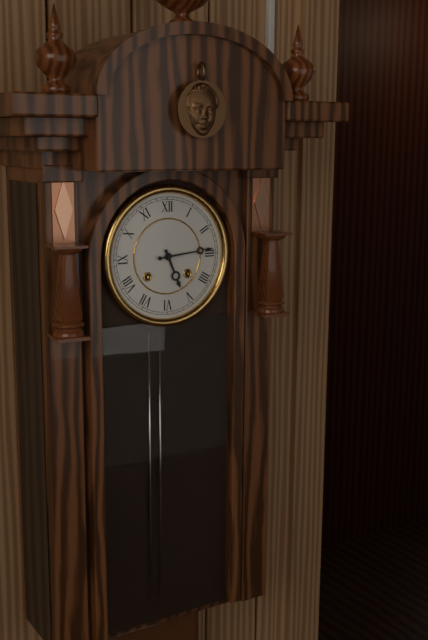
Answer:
5h14
